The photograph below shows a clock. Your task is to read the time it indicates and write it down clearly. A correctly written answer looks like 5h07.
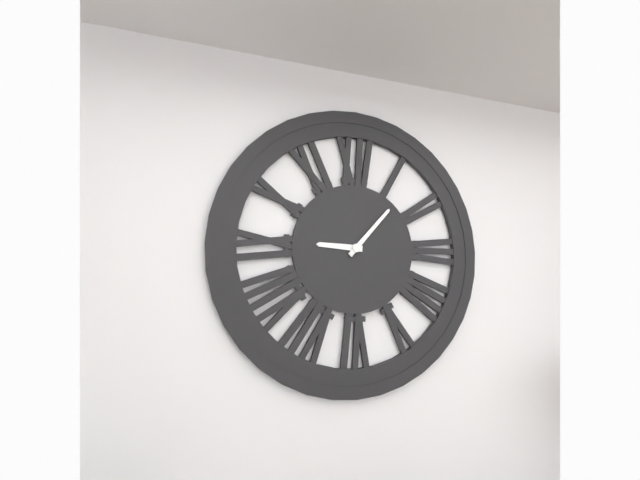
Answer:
9h07
